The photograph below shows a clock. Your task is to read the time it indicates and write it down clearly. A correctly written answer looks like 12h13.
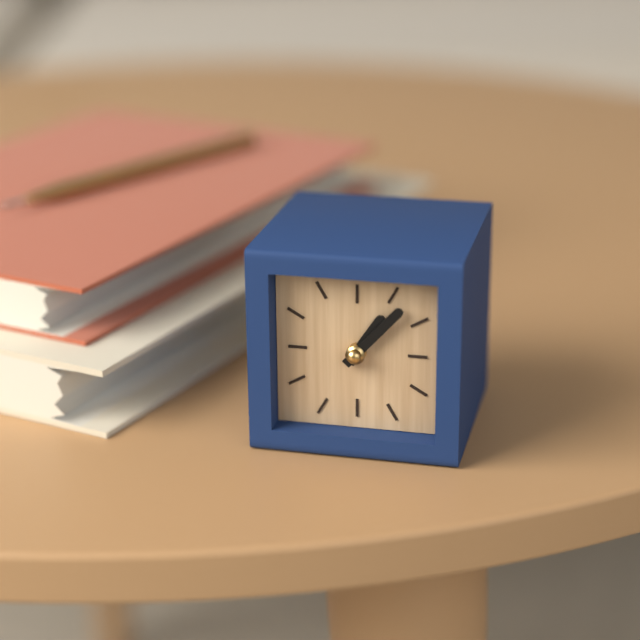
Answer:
1h07
